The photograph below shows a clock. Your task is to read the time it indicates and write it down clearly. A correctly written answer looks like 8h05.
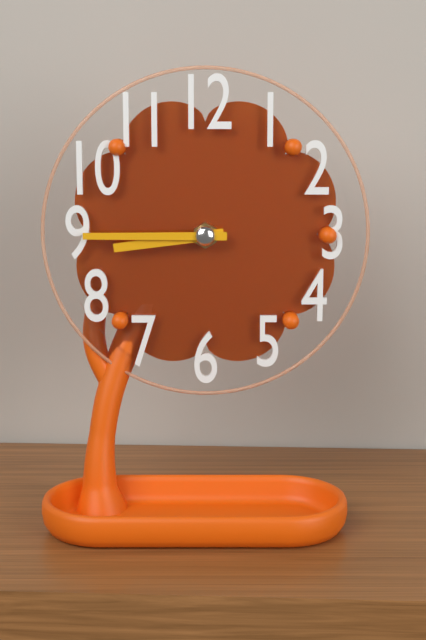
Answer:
8h45
